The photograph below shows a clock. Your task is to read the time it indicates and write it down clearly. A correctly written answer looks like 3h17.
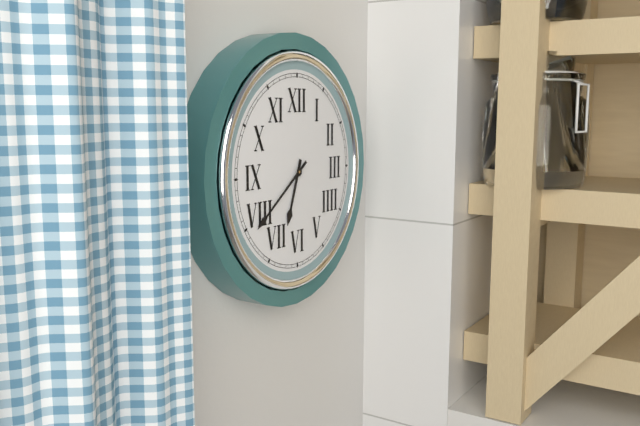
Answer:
6h39
